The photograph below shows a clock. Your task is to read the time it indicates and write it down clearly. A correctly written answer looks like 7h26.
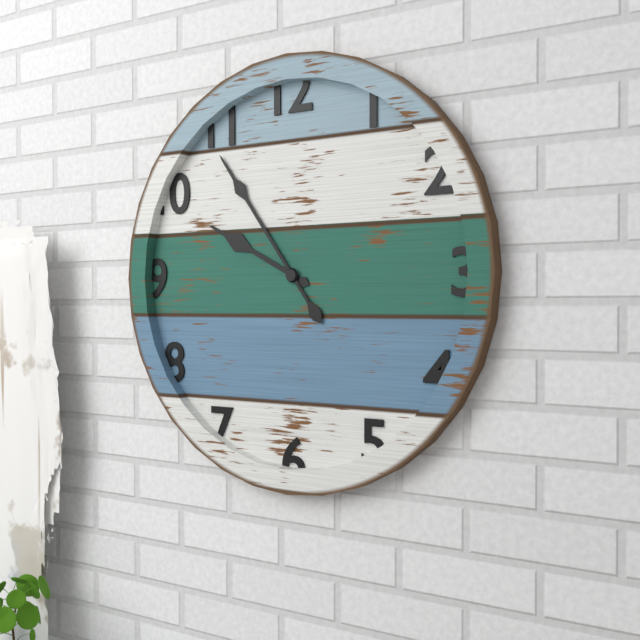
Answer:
9h54
